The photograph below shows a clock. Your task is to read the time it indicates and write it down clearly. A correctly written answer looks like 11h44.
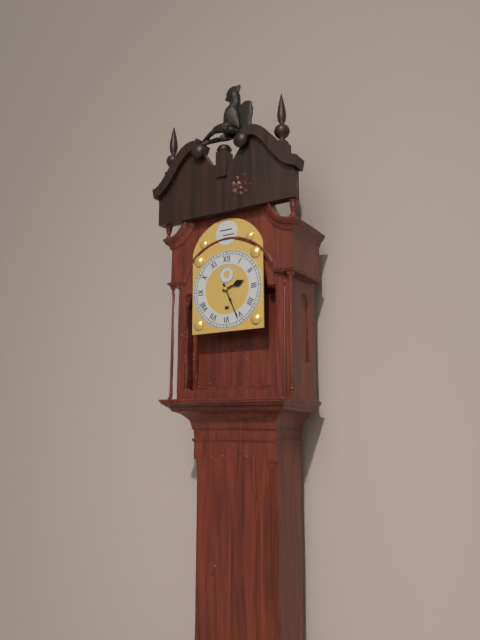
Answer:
2h26
